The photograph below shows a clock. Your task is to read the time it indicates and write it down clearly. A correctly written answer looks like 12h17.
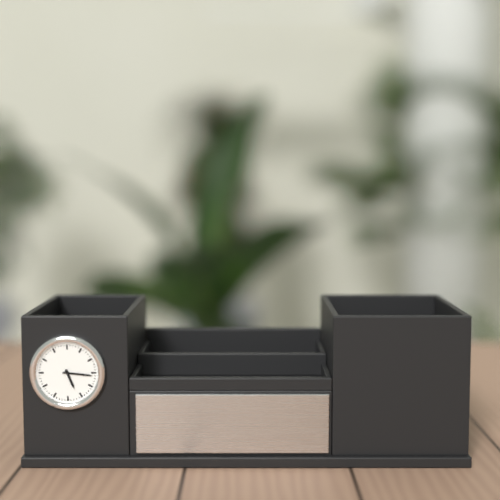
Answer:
5h16
